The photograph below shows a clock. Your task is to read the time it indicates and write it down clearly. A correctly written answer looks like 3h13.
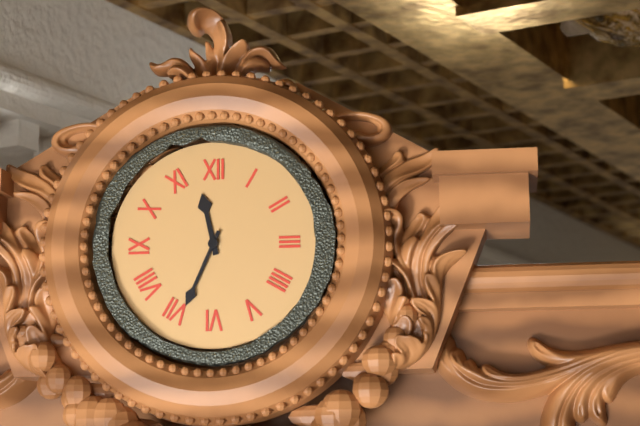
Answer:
11h34
